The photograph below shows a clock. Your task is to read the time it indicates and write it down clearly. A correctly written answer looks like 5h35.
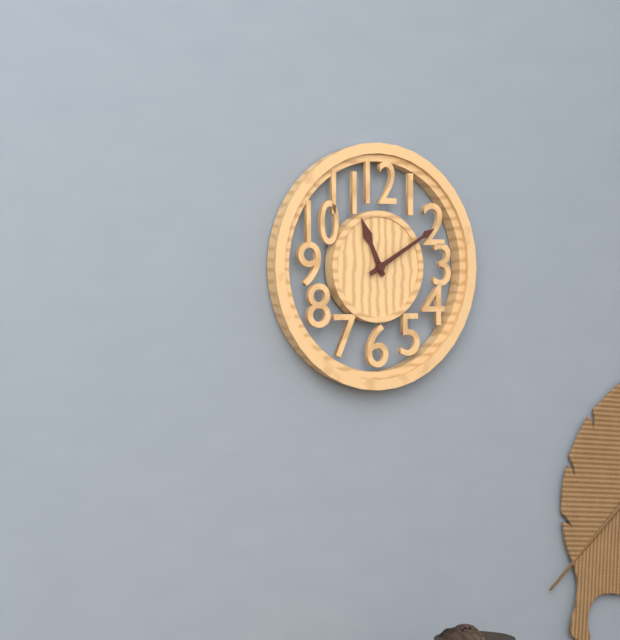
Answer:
11h10
